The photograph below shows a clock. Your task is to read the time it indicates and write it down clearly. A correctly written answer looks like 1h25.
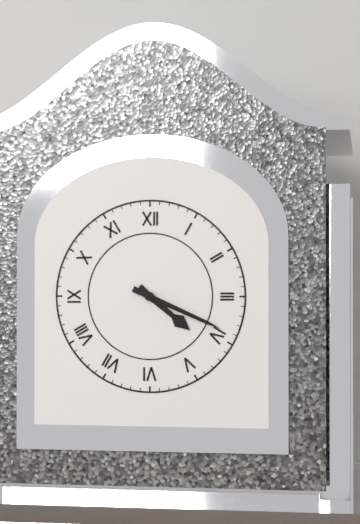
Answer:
4h19
